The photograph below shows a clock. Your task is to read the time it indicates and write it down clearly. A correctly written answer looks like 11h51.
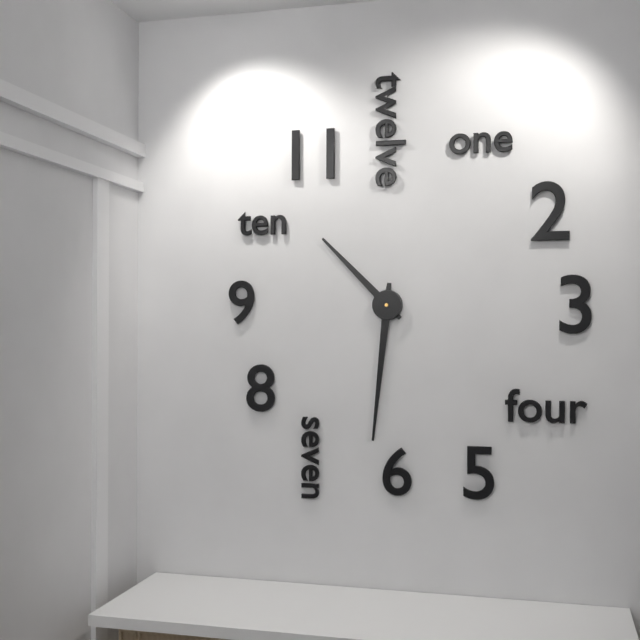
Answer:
10h31
